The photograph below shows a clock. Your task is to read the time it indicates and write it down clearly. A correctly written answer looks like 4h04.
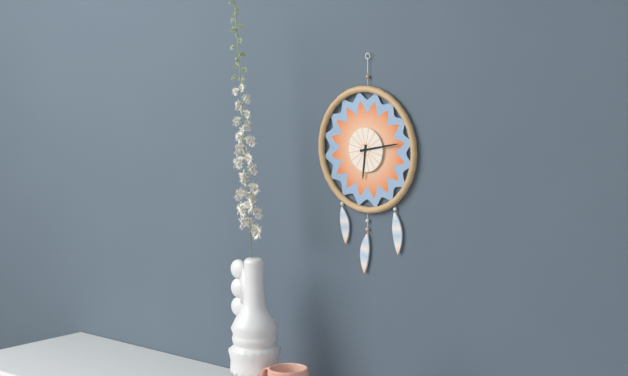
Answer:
6h13
